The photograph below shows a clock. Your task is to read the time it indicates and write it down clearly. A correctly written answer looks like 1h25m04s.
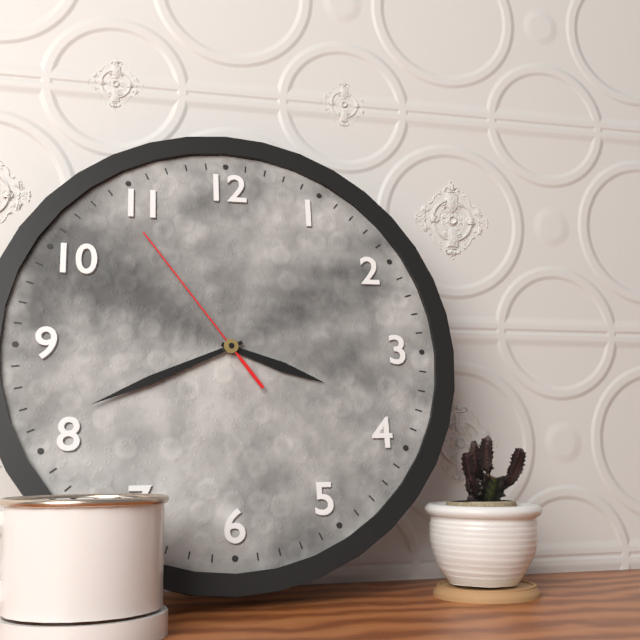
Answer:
3h41m54s
